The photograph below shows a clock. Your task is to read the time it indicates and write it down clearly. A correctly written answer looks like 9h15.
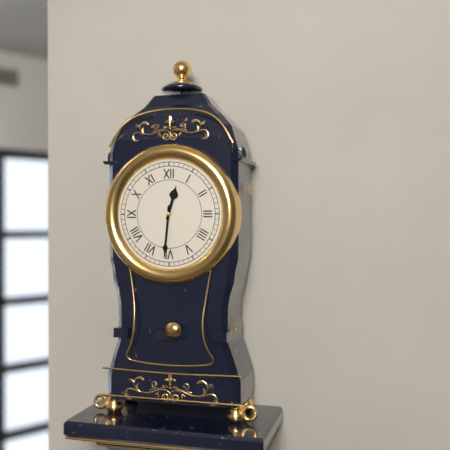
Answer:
12h31
